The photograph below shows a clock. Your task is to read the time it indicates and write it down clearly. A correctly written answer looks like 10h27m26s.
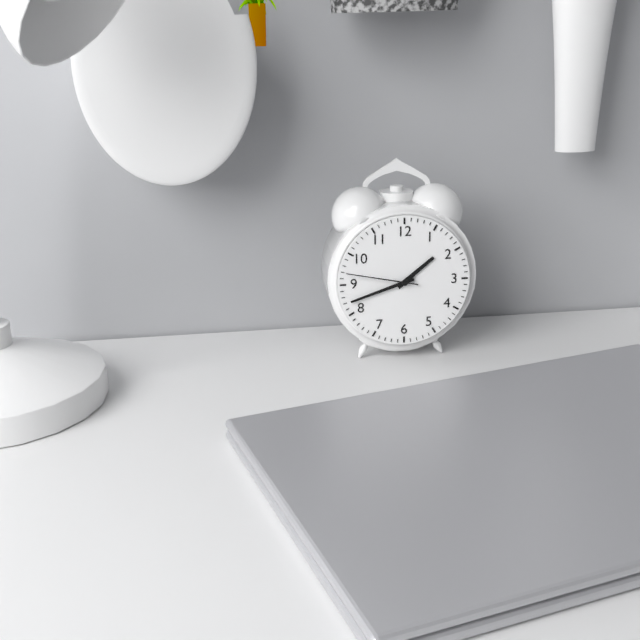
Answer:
1h42m47s
